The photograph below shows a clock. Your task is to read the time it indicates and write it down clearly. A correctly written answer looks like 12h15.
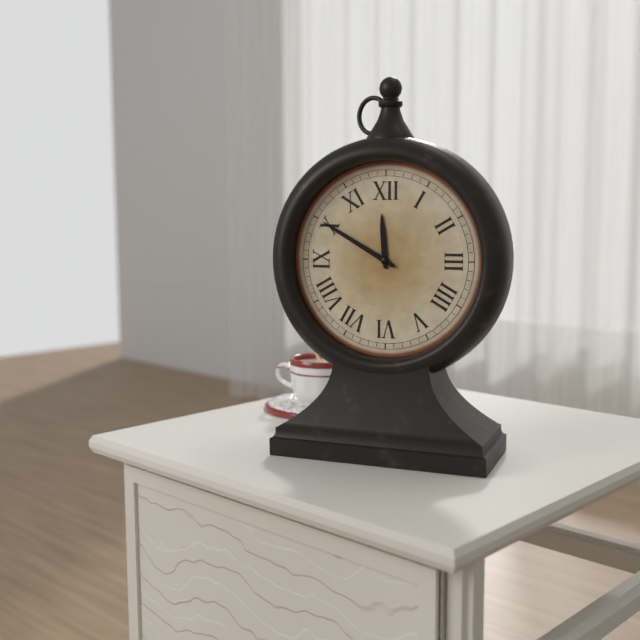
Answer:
11h50
